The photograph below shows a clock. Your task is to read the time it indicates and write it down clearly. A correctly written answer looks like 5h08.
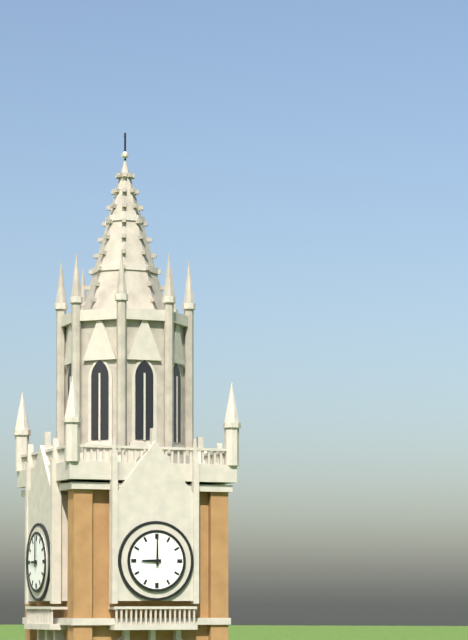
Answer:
9h00
